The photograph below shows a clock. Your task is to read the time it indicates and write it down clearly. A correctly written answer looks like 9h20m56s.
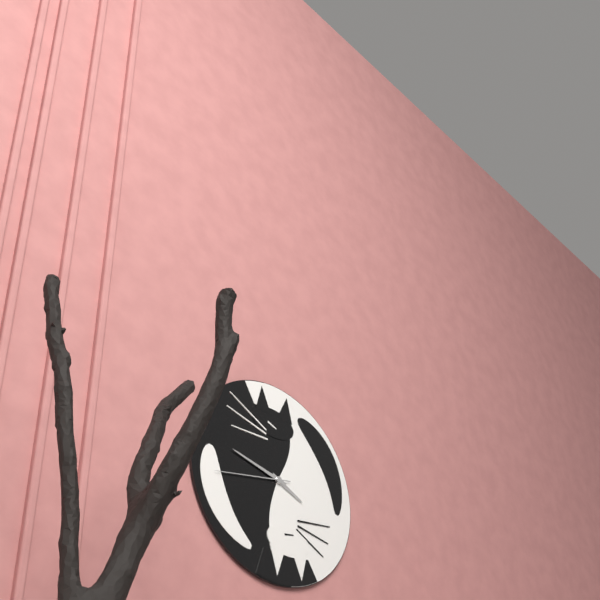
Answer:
3h47m43s
